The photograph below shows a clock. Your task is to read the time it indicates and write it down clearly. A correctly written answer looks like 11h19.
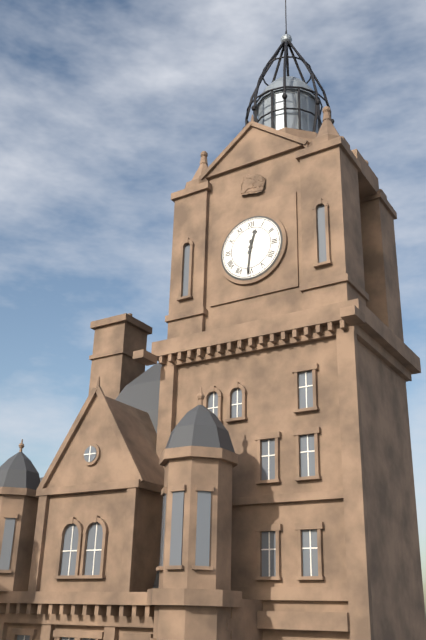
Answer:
12h31
